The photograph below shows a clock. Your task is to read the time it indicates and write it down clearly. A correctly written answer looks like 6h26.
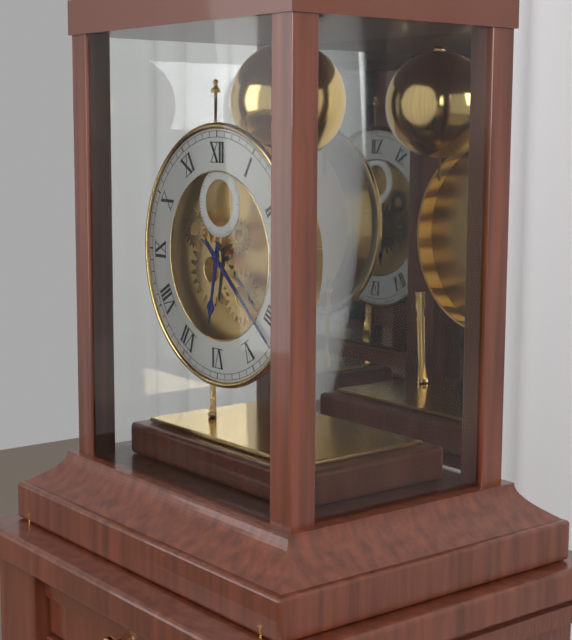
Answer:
6h22
